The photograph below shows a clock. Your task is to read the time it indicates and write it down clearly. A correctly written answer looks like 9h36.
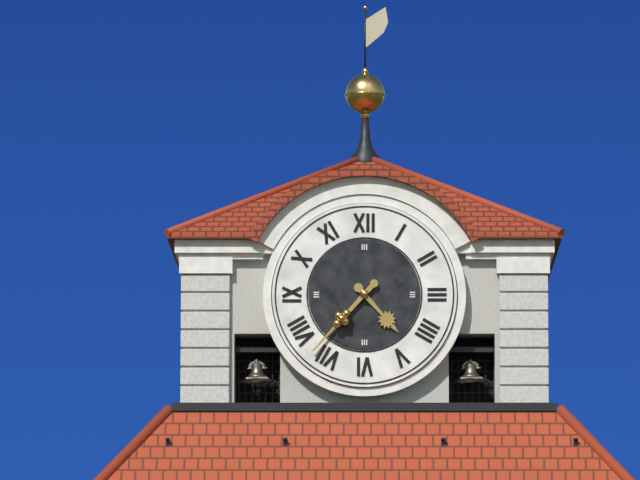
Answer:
4h37
